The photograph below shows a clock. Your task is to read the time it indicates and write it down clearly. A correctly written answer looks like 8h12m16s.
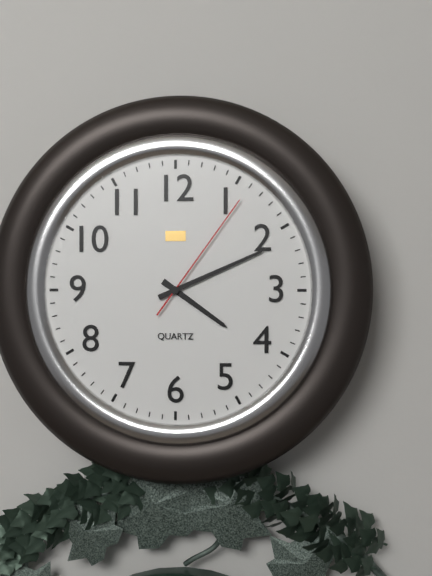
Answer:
4h11m06s
